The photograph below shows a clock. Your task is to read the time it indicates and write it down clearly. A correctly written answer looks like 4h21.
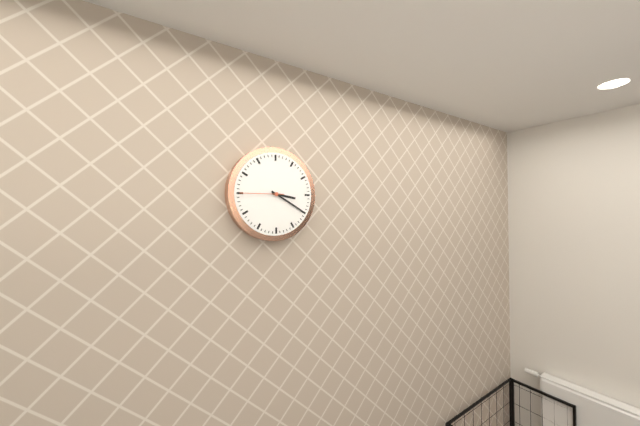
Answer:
3h20
